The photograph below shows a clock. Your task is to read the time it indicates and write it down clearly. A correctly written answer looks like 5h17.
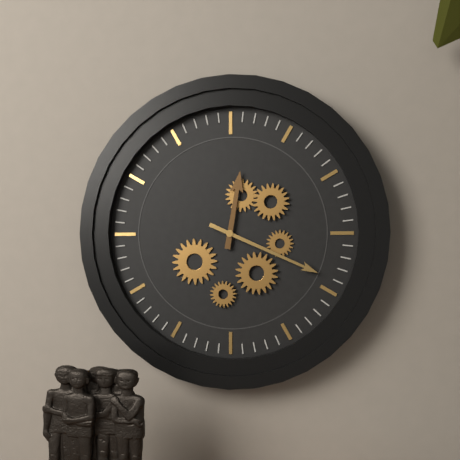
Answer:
12h19
